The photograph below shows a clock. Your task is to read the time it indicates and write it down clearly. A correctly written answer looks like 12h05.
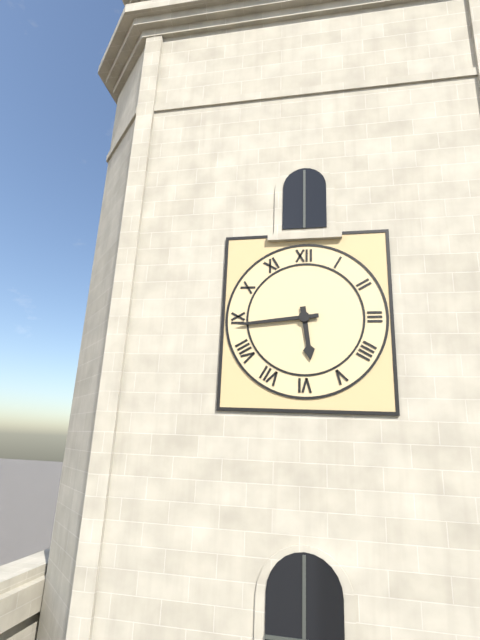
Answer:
5h44
